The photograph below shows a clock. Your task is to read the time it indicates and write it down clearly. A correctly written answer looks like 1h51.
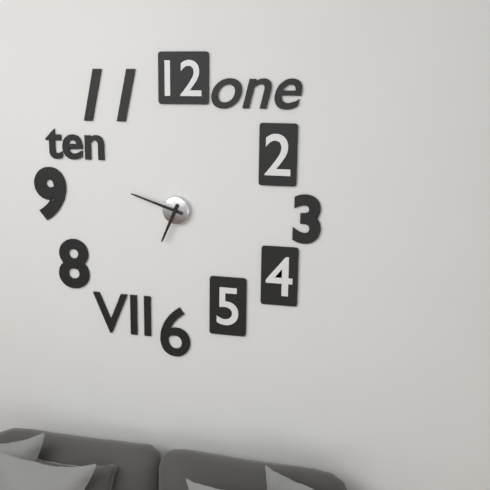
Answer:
6h48
